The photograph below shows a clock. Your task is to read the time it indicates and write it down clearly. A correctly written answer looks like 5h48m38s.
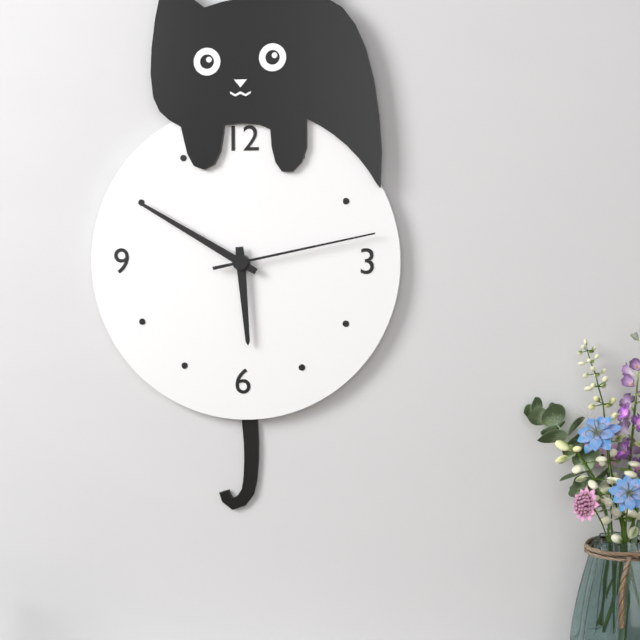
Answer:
5h50m13s
